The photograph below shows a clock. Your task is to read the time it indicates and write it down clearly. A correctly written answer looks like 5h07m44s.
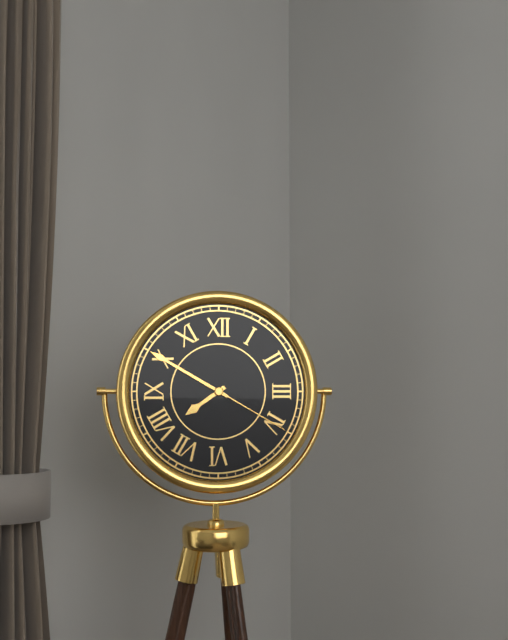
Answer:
7h50m20s
